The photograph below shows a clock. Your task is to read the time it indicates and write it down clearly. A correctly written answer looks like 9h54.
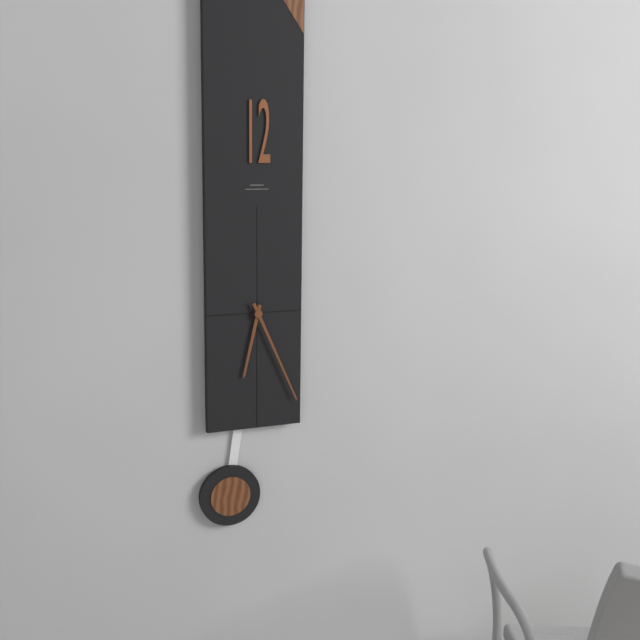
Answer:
6h26
